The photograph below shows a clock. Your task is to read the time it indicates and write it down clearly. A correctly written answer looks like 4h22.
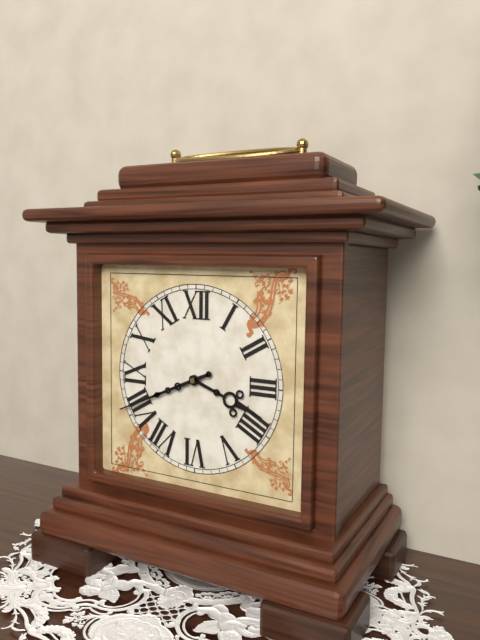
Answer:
3h41
